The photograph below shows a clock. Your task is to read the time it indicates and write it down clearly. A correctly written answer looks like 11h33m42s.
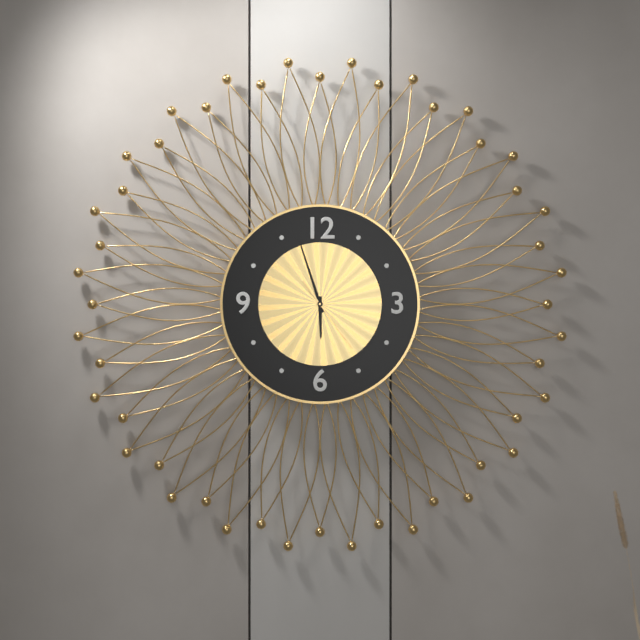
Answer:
5h57m24s
